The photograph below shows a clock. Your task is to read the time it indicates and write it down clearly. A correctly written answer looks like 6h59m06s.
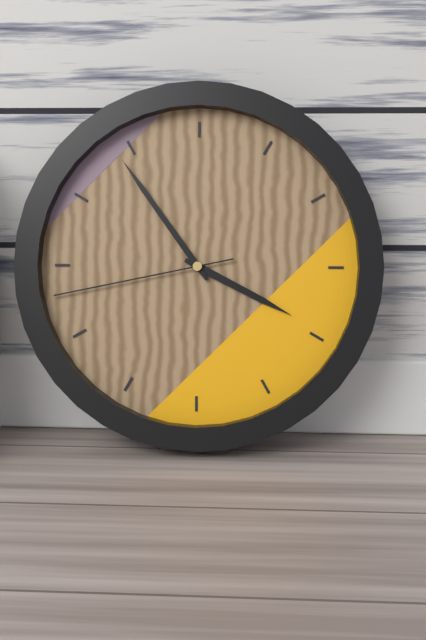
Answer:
3h54m43s
